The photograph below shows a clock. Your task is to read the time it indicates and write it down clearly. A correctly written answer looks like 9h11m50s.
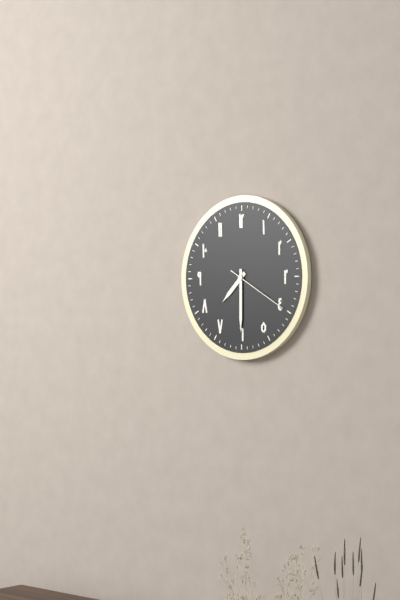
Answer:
7h30m20s
